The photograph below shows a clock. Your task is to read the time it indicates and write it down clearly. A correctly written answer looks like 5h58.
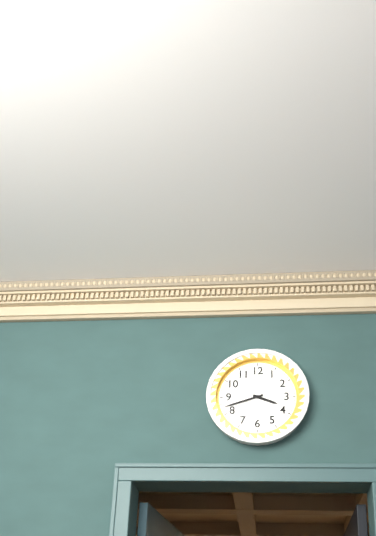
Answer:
3h42
